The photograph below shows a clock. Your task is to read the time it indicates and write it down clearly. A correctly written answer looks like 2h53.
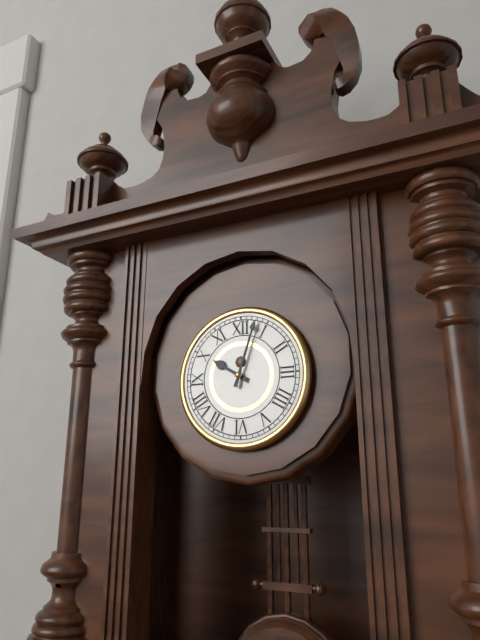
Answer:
10h03
